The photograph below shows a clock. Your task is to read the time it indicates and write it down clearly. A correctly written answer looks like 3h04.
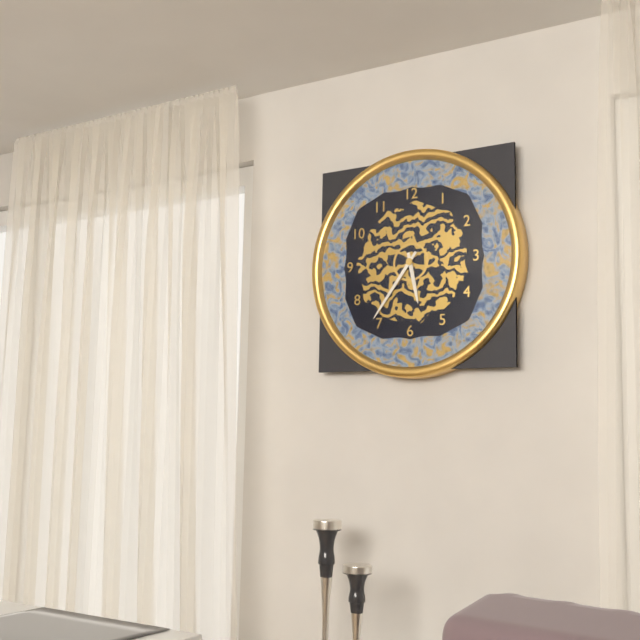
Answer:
5h36
